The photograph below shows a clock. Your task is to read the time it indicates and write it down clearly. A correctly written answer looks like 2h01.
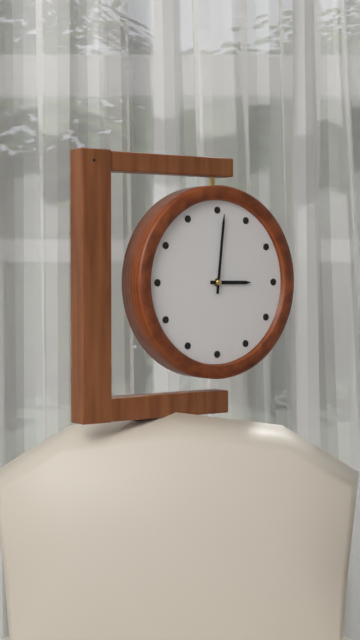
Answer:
3h01
